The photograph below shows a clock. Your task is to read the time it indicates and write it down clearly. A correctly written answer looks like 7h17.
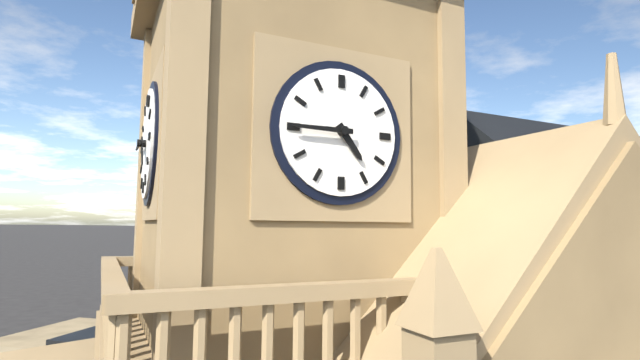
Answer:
4h45
